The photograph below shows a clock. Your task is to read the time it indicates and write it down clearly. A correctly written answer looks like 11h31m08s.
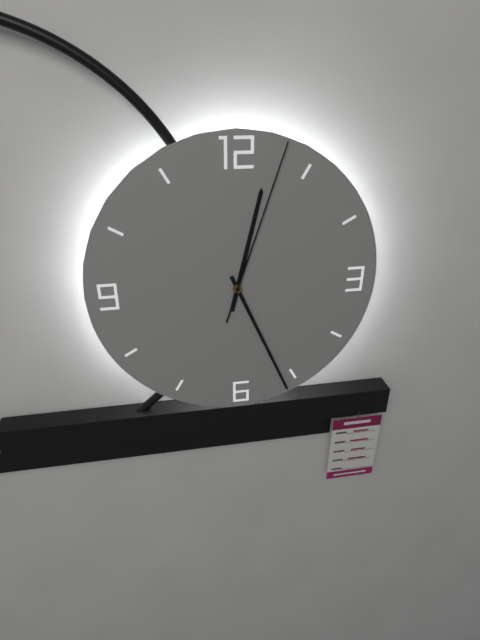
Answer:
12h26m03s
